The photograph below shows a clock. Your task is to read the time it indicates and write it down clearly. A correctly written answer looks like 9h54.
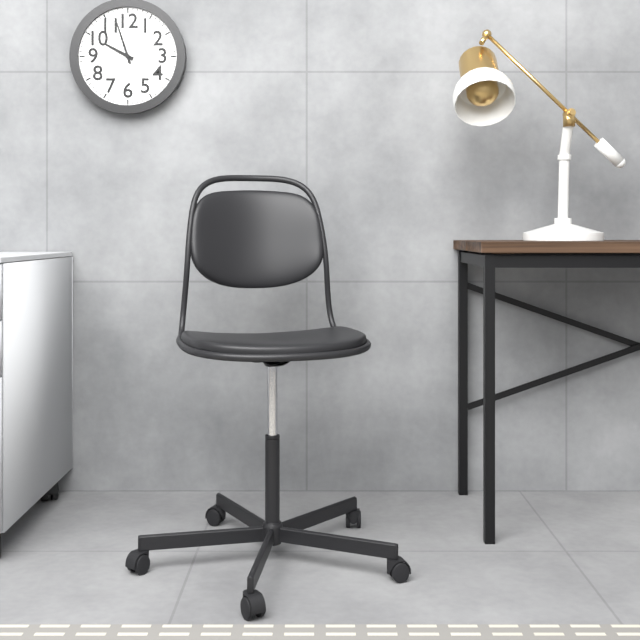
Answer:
9h57
